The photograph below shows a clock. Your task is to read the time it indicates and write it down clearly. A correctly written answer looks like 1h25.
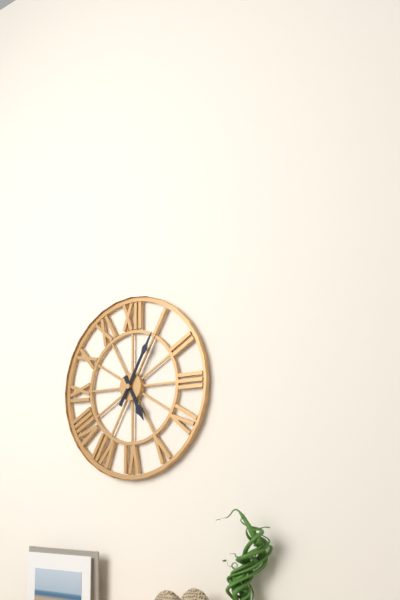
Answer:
5h05
